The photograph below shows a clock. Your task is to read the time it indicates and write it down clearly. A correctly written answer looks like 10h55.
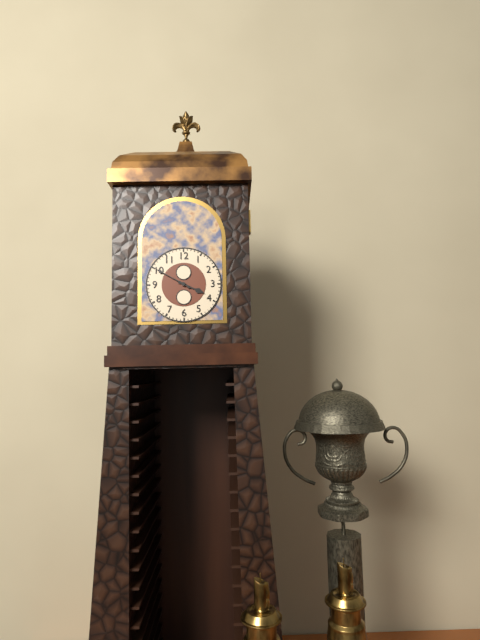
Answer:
3h50
